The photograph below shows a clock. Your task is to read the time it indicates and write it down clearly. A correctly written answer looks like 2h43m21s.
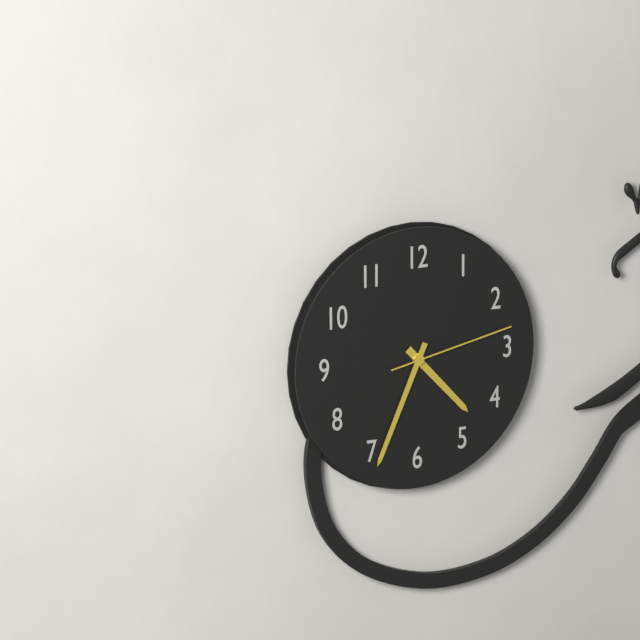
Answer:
4h34m13s
